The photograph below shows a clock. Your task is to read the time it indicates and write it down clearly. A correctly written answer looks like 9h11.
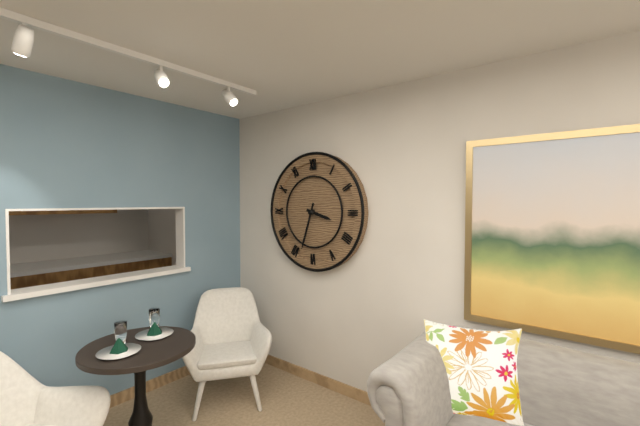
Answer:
3h33
